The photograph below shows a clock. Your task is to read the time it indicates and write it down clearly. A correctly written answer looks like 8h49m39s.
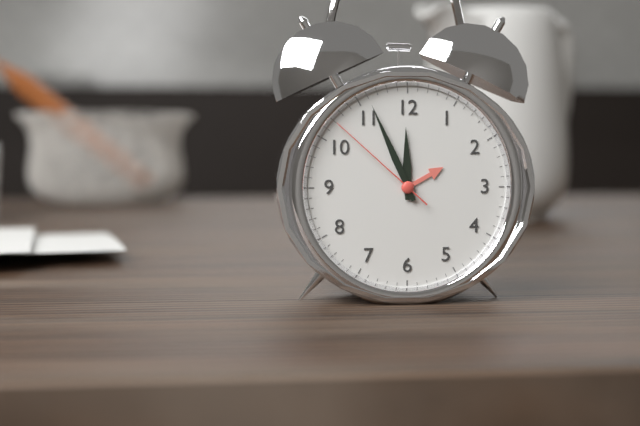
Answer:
11h56m52s
